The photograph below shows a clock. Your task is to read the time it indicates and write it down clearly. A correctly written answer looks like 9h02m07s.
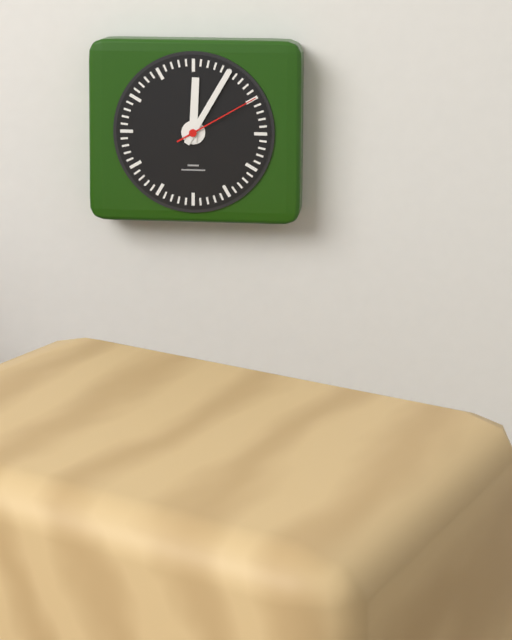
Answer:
12h05m10s
